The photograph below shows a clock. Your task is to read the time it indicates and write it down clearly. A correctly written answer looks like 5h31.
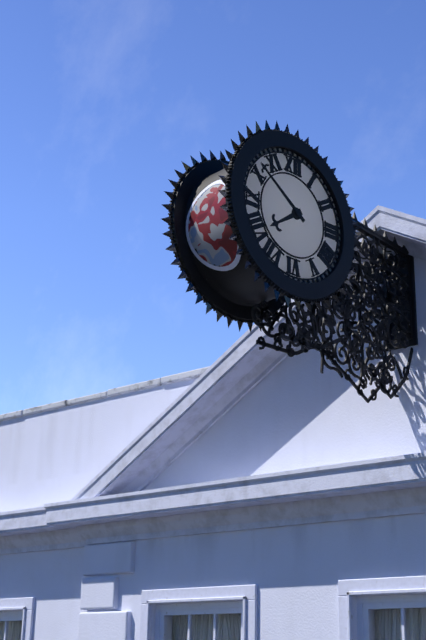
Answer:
7h51
